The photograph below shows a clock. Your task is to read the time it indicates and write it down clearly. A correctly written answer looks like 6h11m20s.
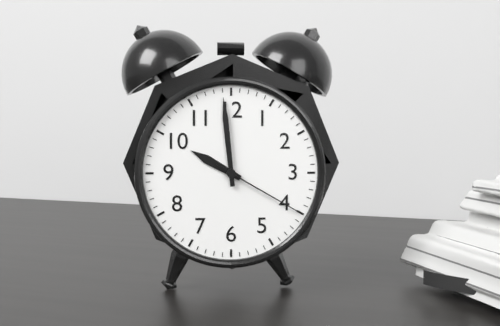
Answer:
9h59m20s
